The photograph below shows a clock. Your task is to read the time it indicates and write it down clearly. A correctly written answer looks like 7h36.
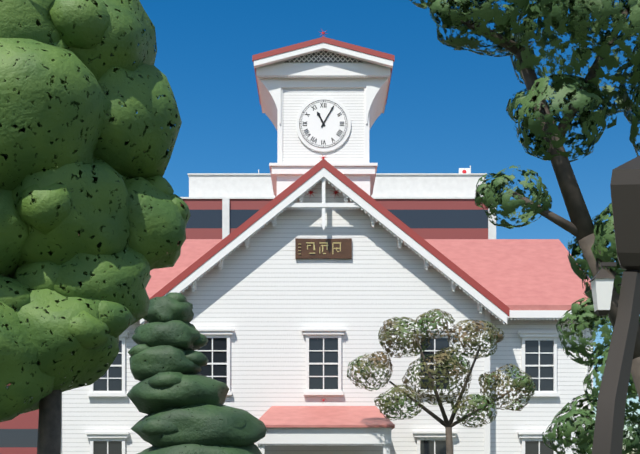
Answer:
11h05
